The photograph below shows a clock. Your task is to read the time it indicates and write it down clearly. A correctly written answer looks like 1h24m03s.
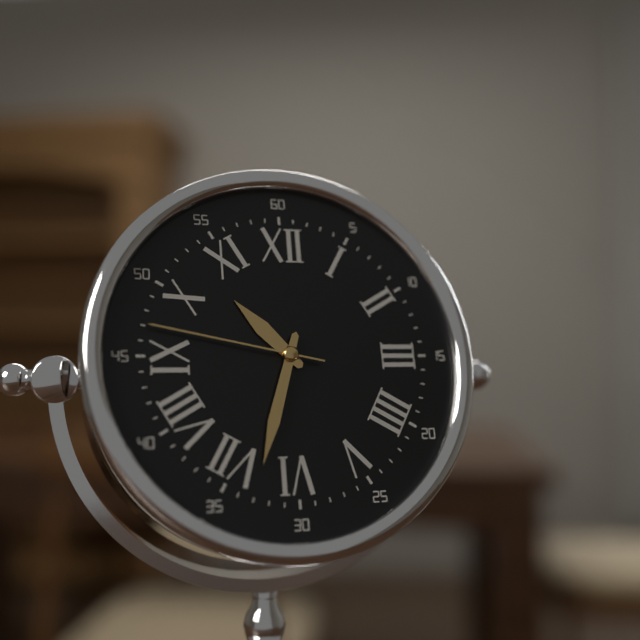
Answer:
10h33m47s
